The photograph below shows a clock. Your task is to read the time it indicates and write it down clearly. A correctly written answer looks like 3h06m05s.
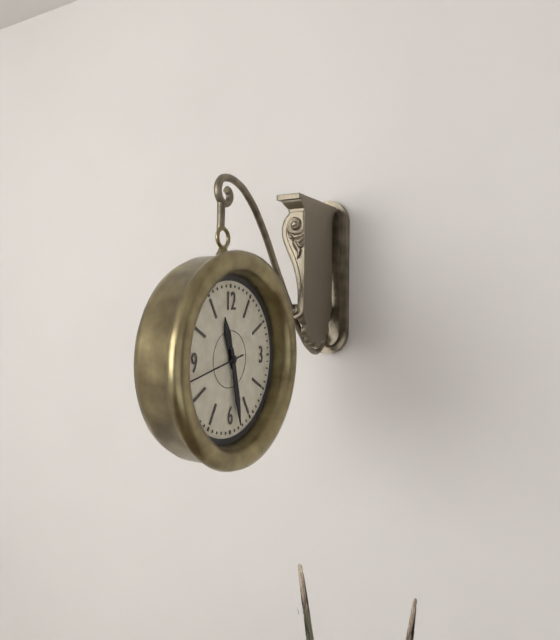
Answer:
11h28m43s
